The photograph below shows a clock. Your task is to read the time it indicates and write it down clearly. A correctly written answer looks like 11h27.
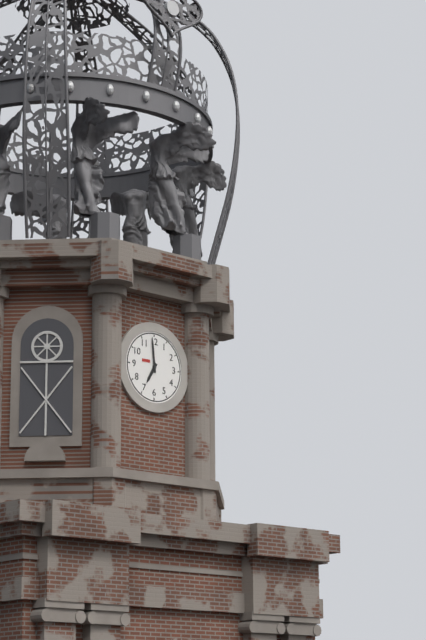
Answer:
6h59
